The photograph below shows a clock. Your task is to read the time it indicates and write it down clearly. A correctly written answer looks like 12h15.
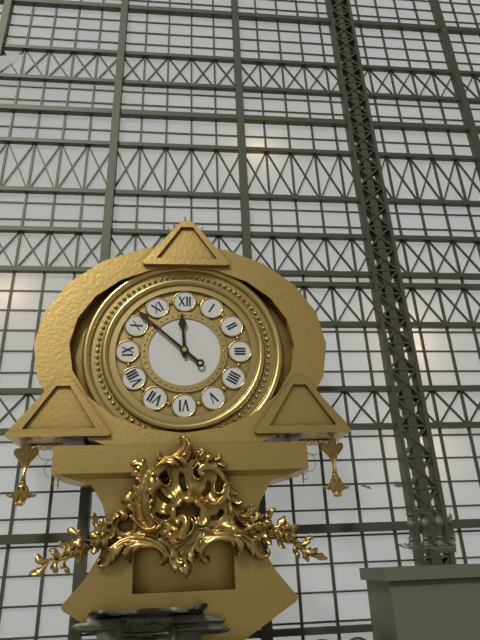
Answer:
11h52
